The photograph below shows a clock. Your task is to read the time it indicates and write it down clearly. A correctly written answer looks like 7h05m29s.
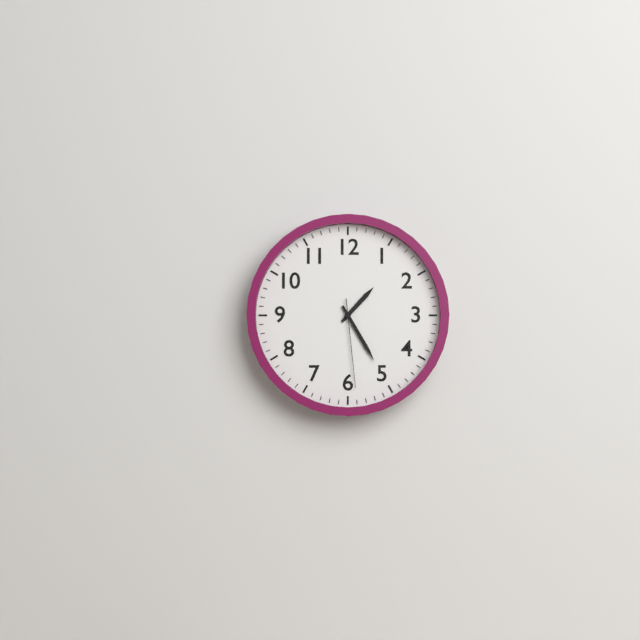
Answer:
1h25m29s
